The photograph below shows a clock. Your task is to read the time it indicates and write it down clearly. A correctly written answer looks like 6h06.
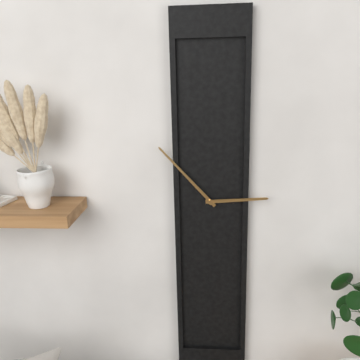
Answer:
2h53
